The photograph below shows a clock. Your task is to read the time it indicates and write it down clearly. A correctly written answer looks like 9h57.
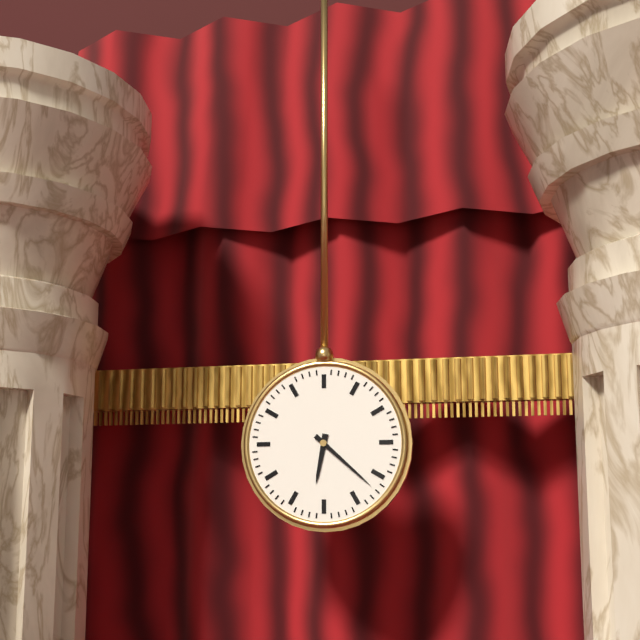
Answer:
6h22
